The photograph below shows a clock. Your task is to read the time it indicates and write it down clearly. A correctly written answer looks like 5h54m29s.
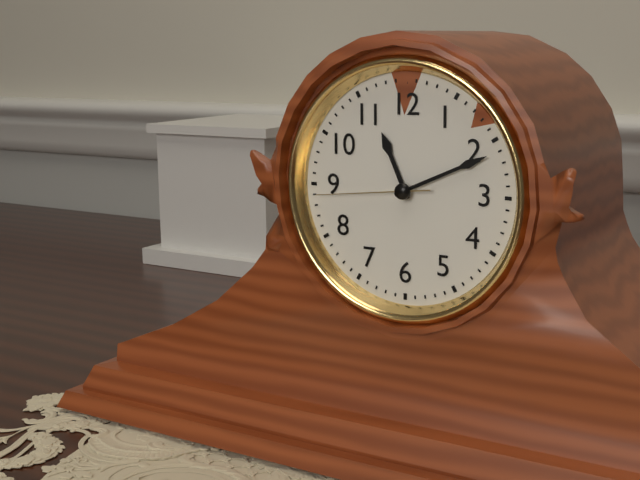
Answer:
11h11m44s
